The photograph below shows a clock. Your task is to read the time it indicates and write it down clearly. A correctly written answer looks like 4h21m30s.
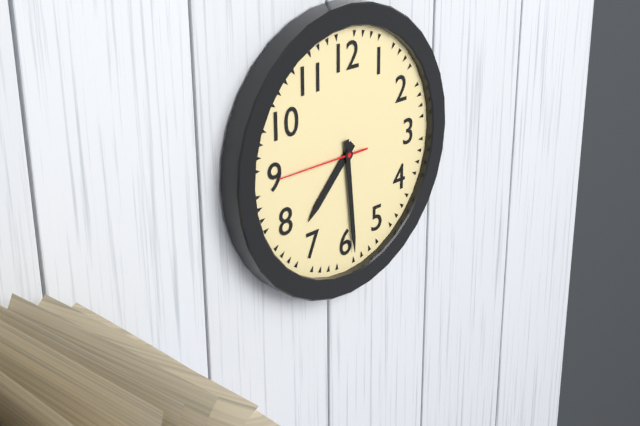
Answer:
7h29m45s
